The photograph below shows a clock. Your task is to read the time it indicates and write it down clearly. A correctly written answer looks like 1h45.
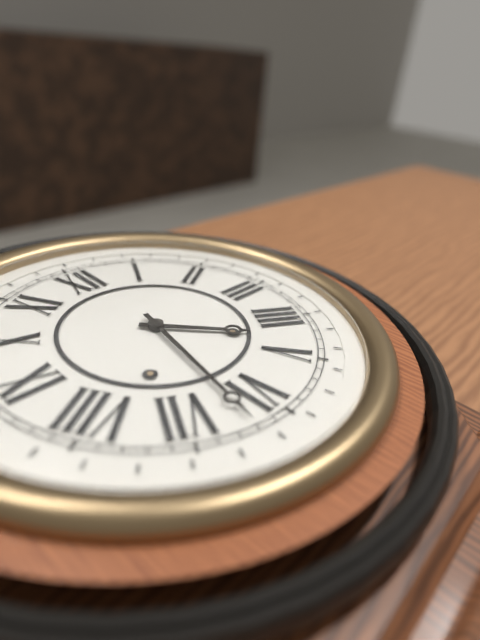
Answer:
4h32
